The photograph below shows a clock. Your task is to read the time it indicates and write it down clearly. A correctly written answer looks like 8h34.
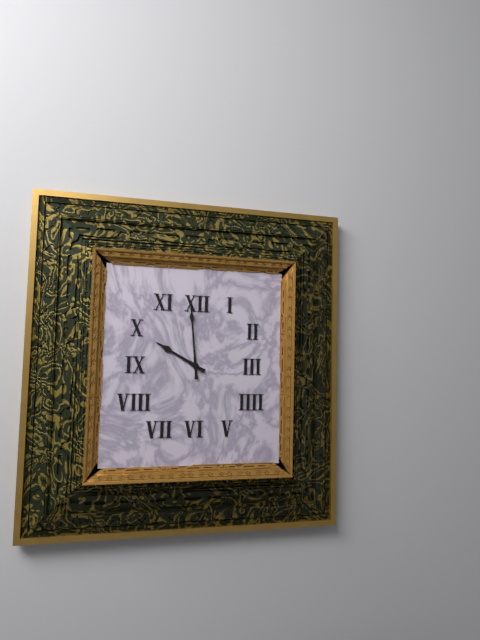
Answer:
9h59
